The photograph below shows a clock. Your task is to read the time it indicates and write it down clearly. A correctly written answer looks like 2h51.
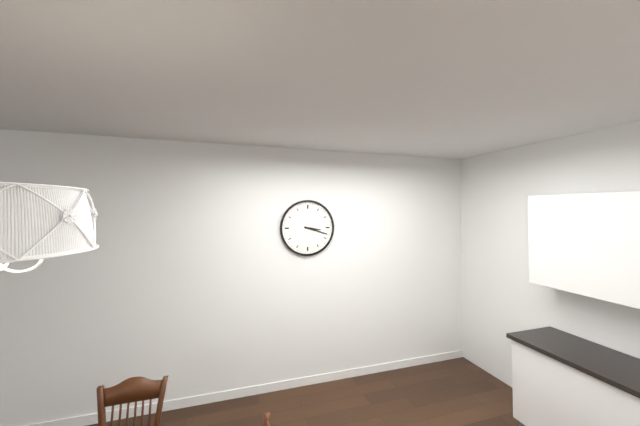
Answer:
3h18
